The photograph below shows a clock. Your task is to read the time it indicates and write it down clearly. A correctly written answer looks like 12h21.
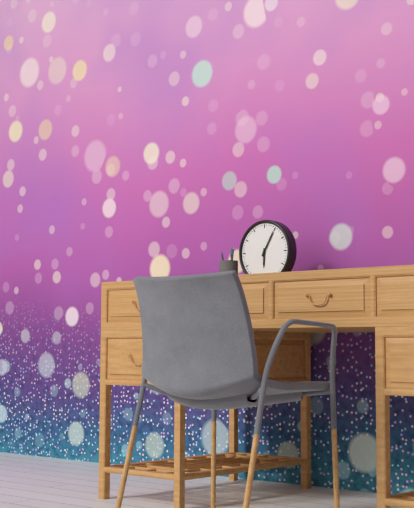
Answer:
6h05
